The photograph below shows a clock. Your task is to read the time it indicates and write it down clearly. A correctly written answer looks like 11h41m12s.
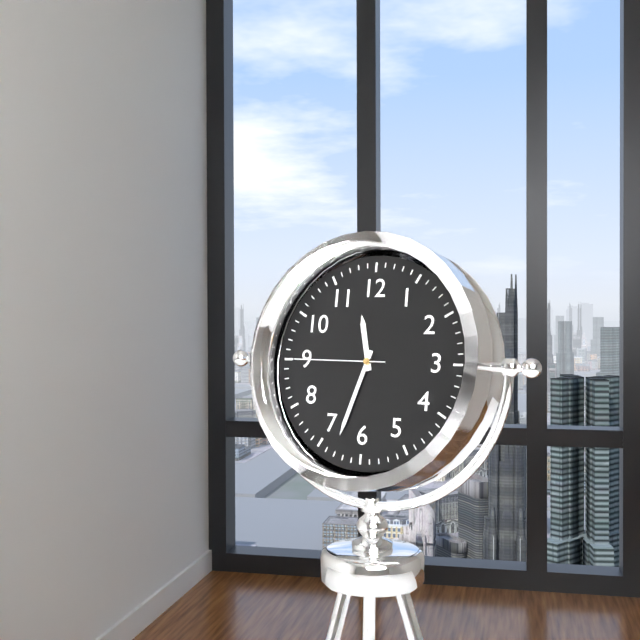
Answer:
11h33m45s
